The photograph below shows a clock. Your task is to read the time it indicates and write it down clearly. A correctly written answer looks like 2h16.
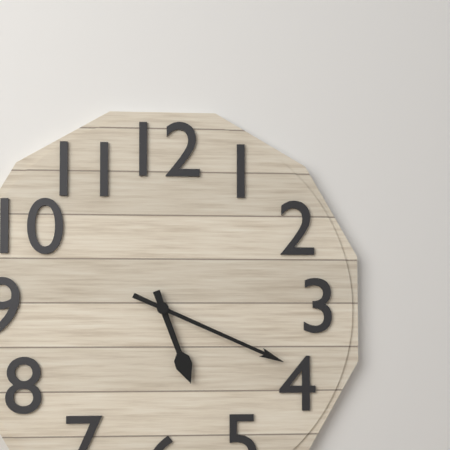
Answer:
5h19
